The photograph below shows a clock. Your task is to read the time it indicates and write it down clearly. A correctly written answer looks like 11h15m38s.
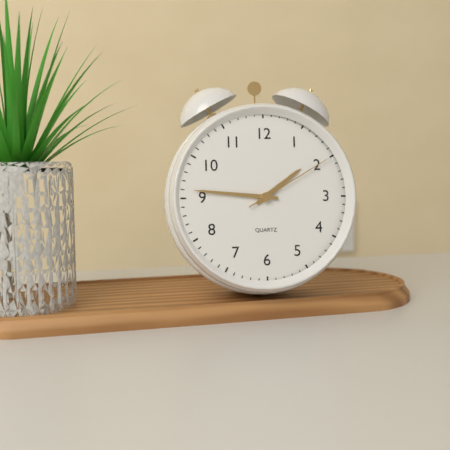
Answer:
1h46m10s
